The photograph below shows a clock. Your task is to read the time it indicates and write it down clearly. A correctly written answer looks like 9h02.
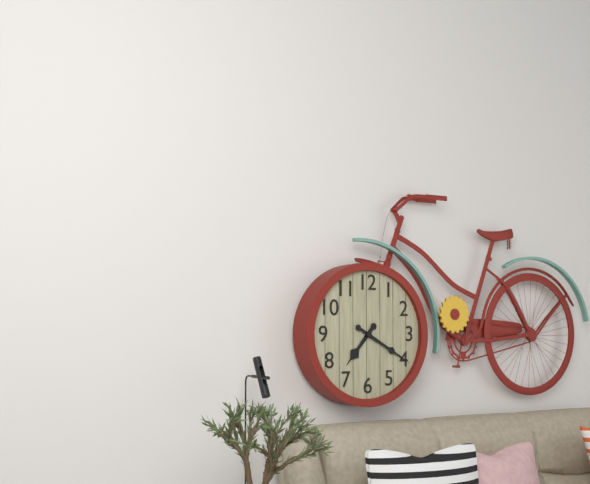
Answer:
7h20
